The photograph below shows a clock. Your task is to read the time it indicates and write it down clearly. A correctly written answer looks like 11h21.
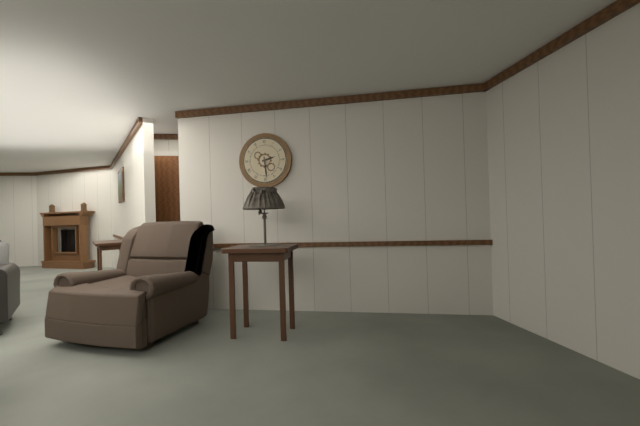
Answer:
2h29
